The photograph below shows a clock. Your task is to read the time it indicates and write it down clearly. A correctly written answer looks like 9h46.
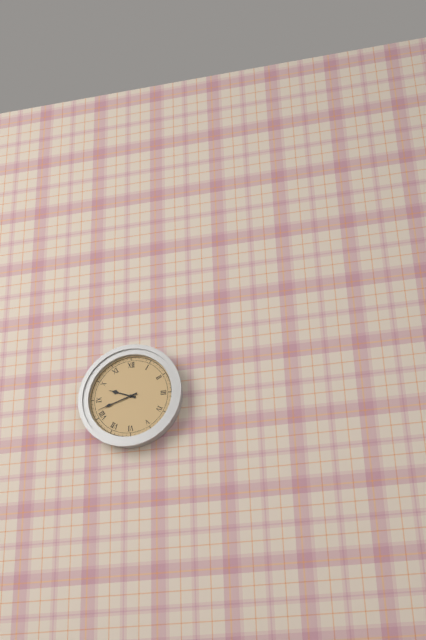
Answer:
9h42
